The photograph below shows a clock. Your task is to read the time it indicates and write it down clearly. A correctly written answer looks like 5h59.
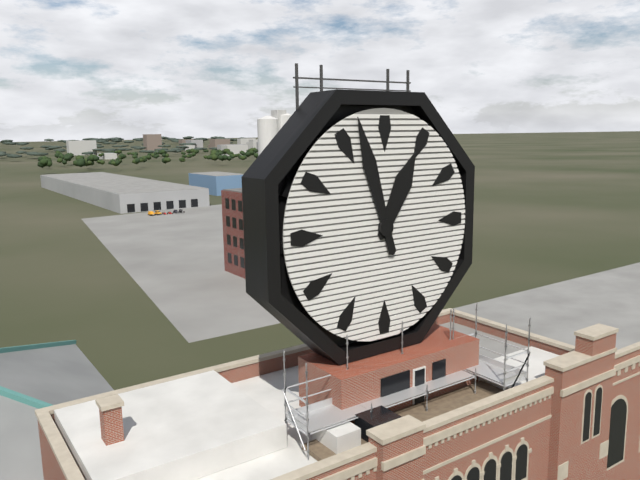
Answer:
12h57
